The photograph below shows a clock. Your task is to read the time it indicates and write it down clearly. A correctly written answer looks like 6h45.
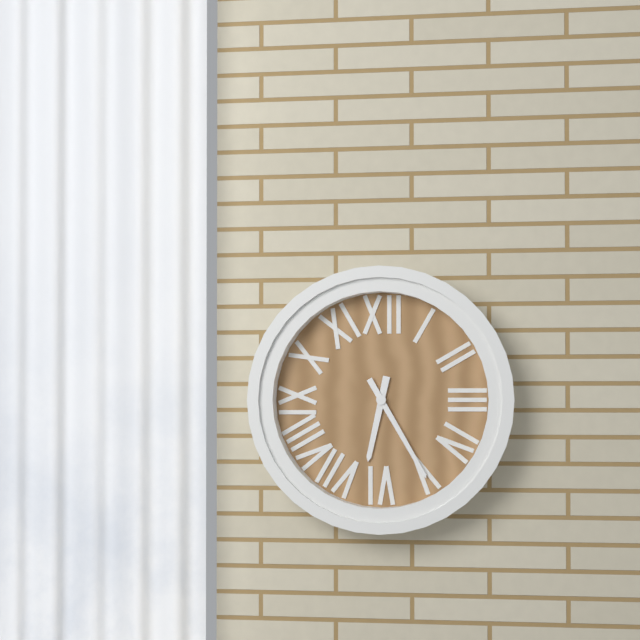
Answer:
6h25
